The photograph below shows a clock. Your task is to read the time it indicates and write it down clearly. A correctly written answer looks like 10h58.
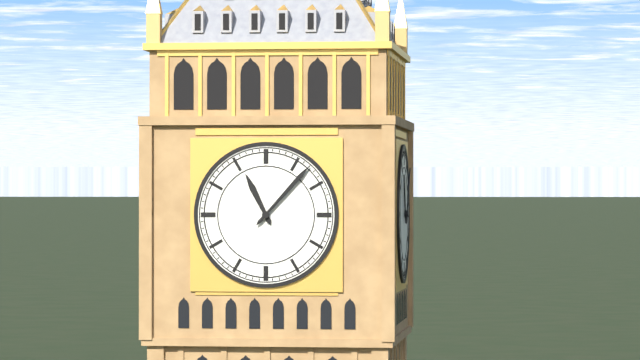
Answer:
11h07
